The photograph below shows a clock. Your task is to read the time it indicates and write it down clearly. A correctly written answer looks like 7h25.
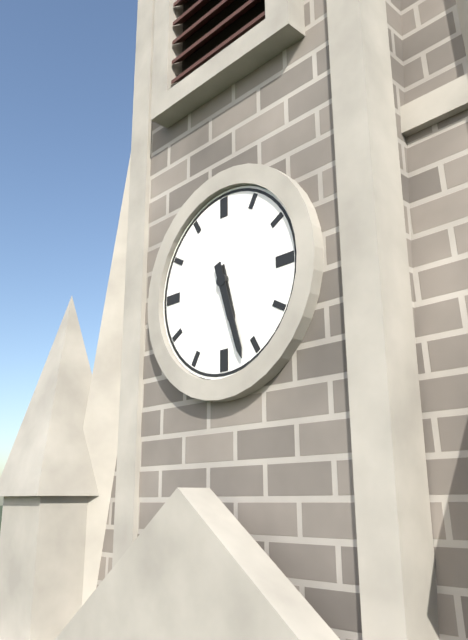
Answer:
5h27
